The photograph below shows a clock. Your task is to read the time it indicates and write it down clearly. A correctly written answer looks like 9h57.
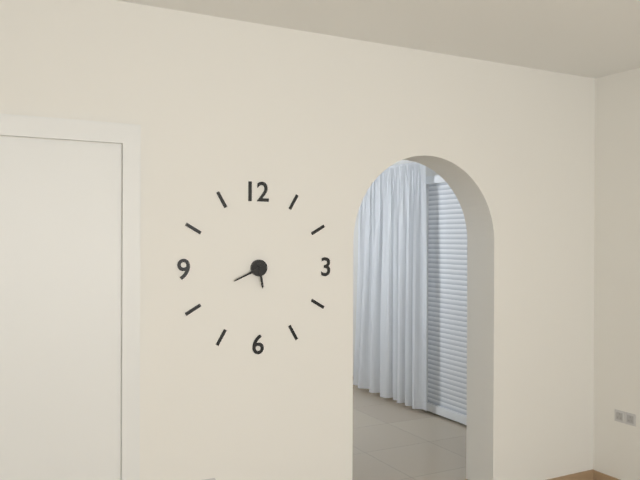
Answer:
5h41
